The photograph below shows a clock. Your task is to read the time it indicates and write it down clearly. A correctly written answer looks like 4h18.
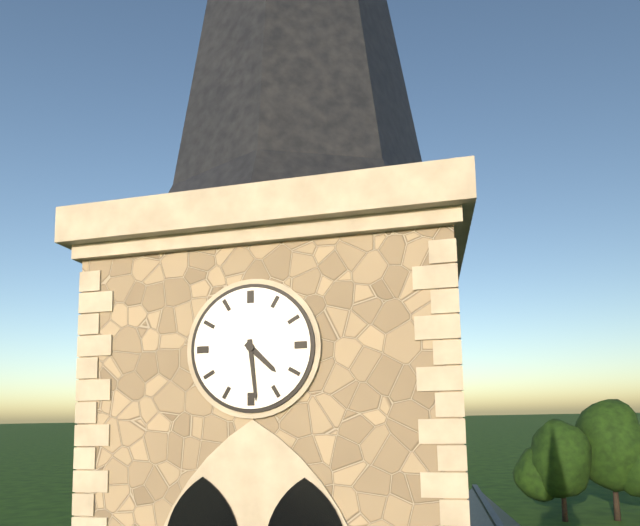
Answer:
4h29
